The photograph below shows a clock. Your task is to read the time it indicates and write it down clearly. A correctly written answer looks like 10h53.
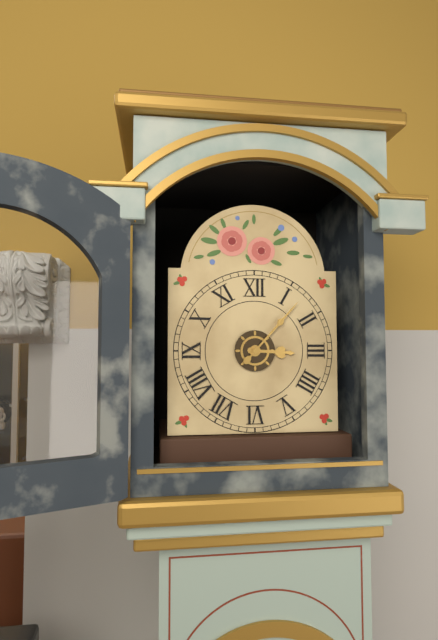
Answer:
3h07
